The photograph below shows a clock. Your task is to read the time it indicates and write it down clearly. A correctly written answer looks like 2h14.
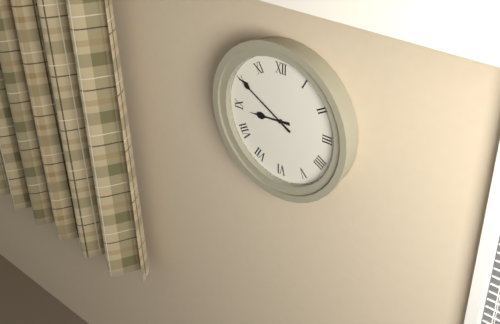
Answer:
8h50
